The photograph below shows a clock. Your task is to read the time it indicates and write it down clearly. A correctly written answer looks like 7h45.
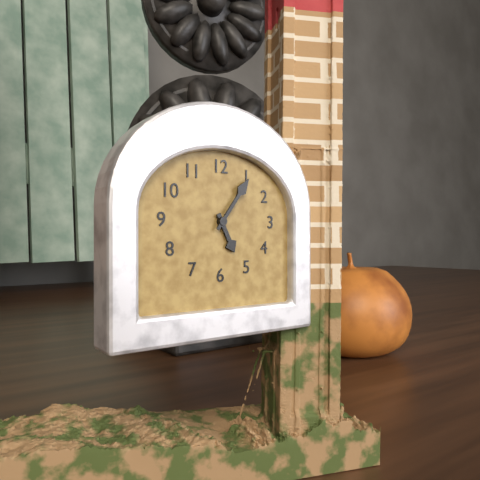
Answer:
5h06
